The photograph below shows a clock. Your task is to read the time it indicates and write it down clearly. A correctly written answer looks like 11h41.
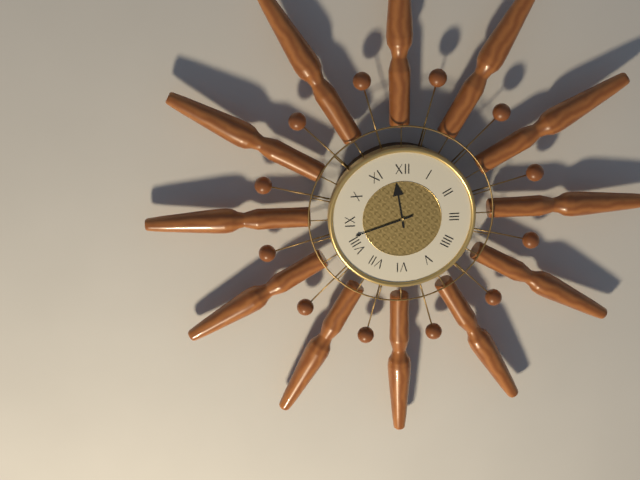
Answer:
11h42
